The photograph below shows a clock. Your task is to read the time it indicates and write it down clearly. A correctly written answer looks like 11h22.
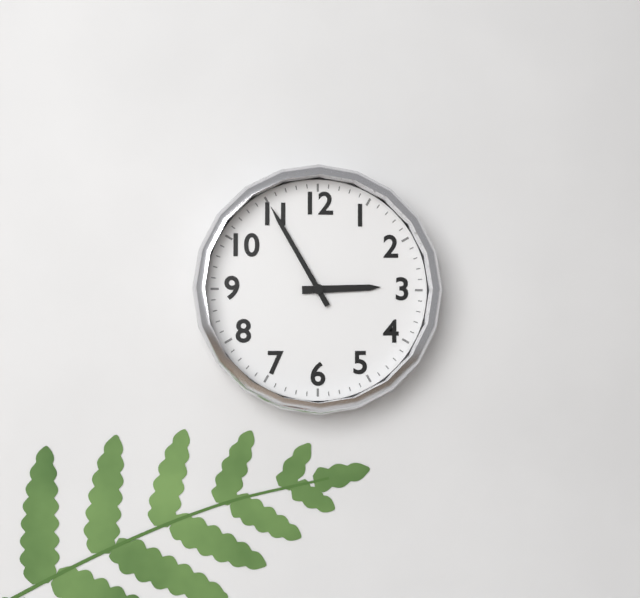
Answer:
2h55
